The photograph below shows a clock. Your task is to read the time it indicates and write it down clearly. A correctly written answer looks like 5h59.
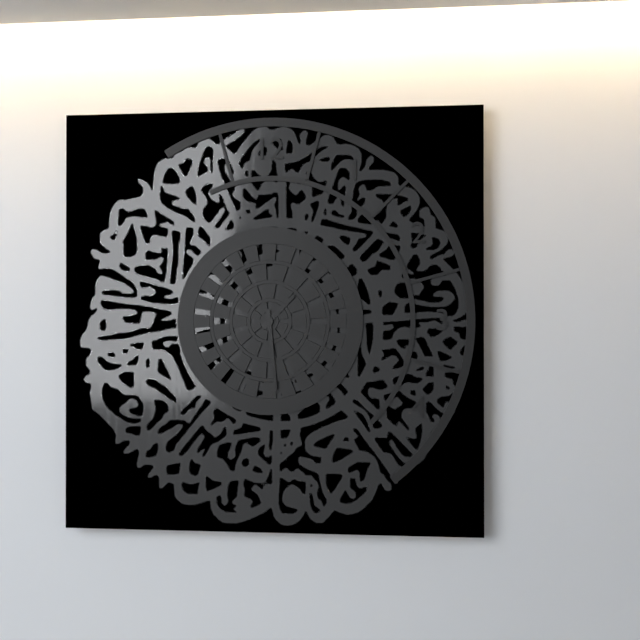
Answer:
1h29
